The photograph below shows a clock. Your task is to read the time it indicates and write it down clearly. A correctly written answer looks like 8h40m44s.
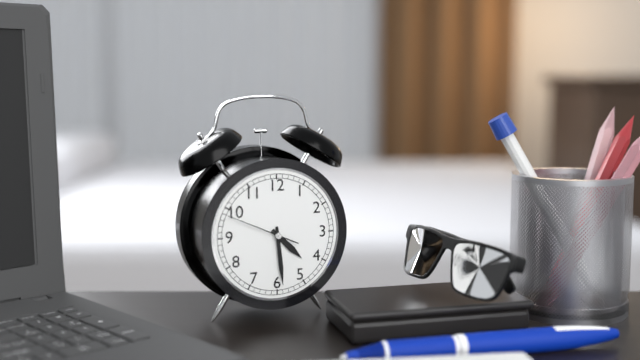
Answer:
4h29m49s
